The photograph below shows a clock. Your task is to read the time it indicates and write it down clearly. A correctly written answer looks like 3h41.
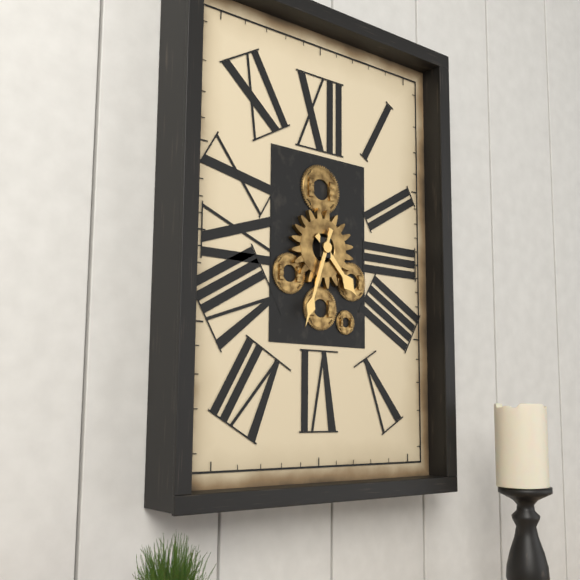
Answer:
4h33
